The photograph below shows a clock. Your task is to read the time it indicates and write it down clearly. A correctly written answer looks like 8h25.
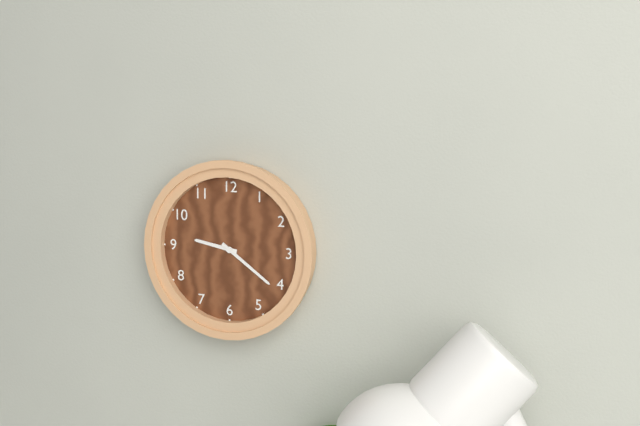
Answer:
9h21
